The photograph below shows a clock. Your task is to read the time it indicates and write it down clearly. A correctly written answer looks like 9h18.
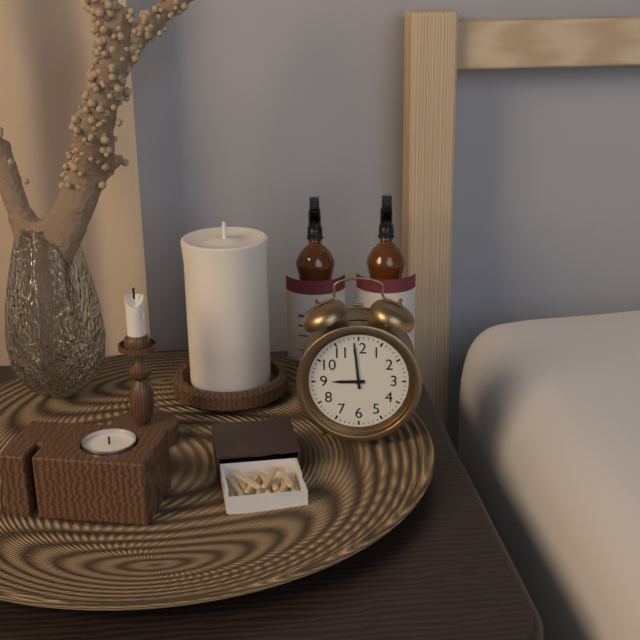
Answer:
8h59
